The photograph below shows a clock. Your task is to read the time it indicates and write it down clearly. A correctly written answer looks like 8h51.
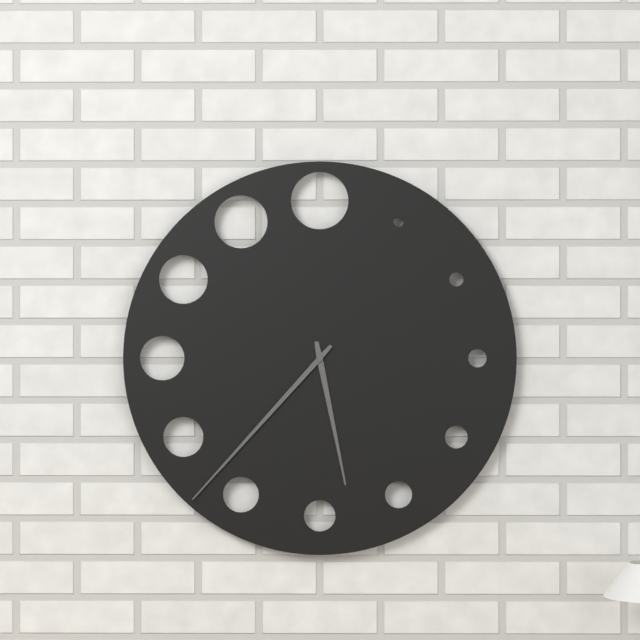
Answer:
5h37
